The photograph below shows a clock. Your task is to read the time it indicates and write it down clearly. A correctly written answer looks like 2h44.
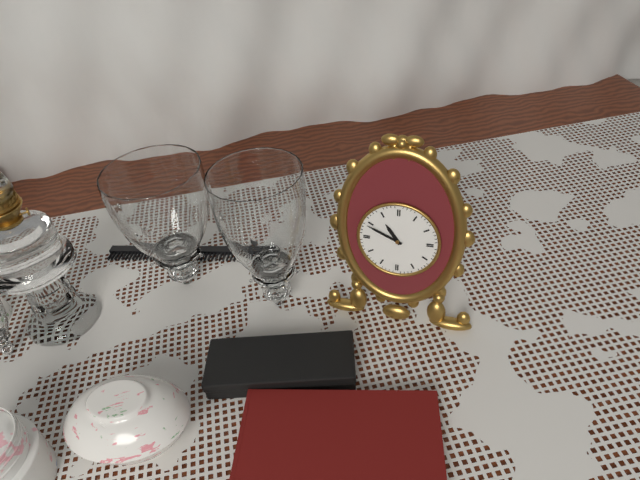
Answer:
10h49
